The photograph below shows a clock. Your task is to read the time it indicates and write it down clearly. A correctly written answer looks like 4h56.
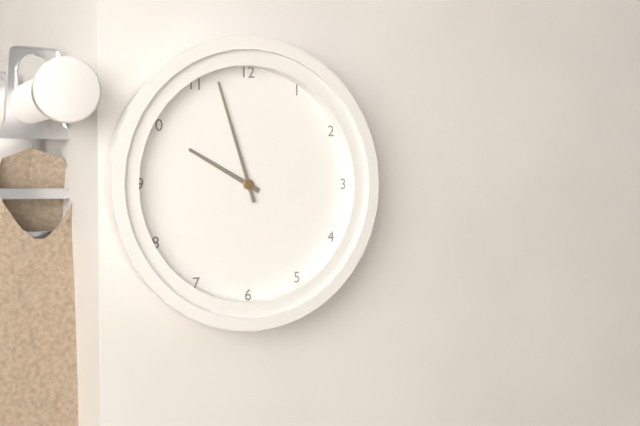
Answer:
9h57
